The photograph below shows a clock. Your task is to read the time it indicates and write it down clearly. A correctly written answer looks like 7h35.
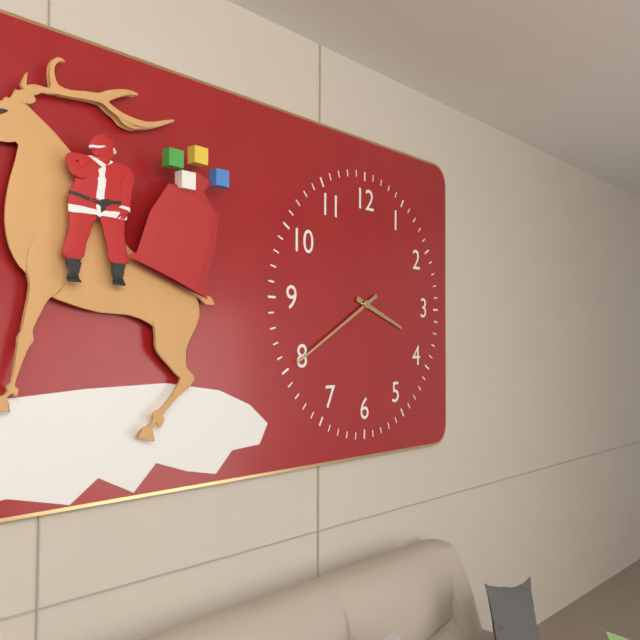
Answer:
3h40
